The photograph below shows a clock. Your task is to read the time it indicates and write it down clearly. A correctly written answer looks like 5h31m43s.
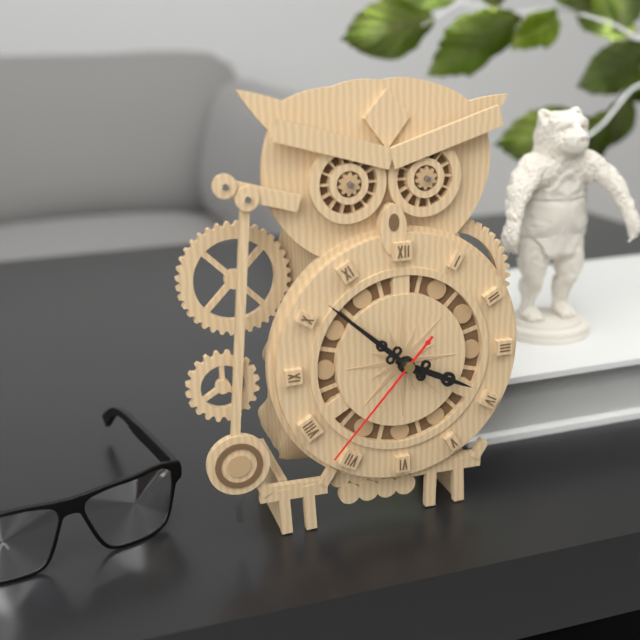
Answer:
3h52m37s
